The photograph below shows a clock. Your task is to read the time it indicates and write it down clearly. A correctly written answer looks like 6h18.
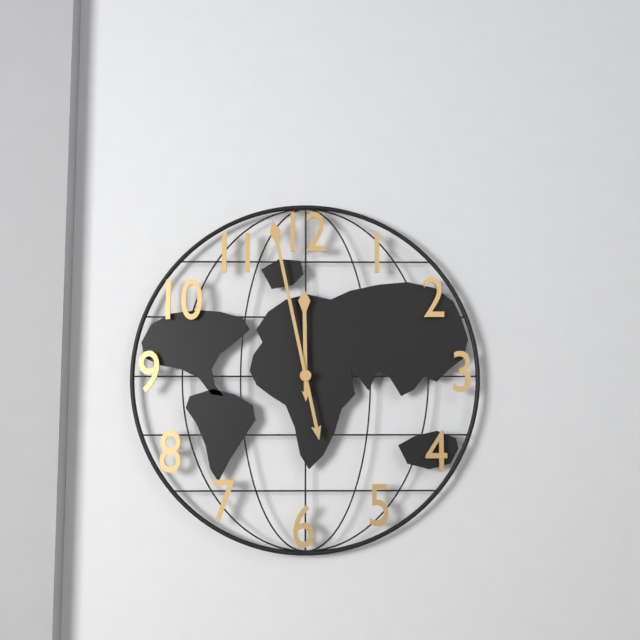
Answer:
11h58
